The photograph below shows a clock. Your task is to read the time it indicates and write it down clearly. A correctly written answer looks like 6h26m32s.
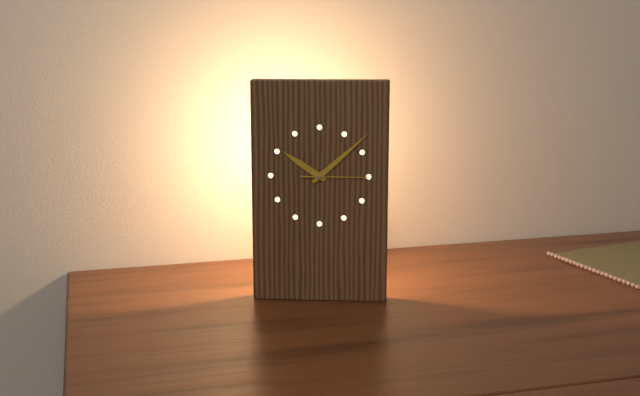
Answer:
10h08m15s
